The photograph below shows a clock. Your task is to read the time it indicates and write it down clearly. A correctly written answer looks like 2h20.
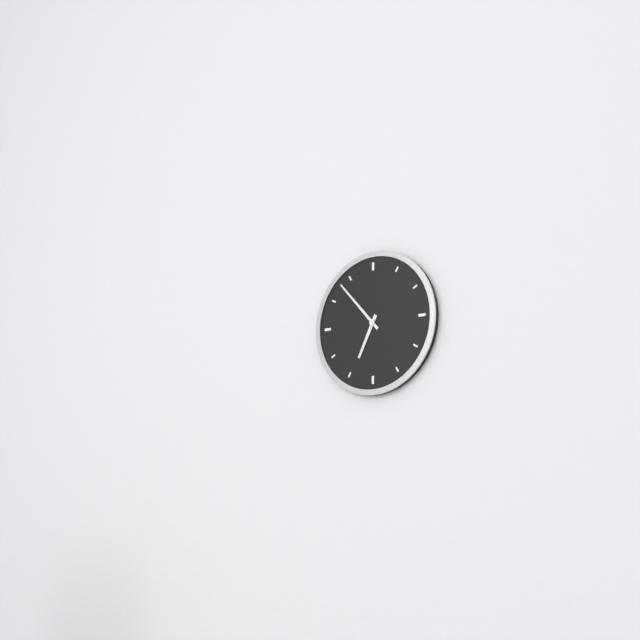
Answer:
6h53
